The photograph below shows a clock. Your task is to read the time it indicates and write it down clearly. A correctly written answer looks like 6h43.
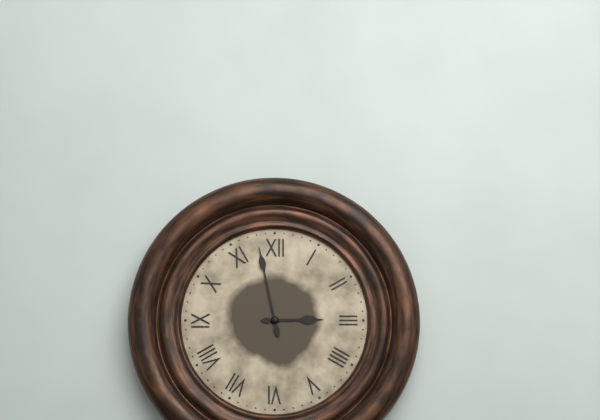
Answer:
2h58
